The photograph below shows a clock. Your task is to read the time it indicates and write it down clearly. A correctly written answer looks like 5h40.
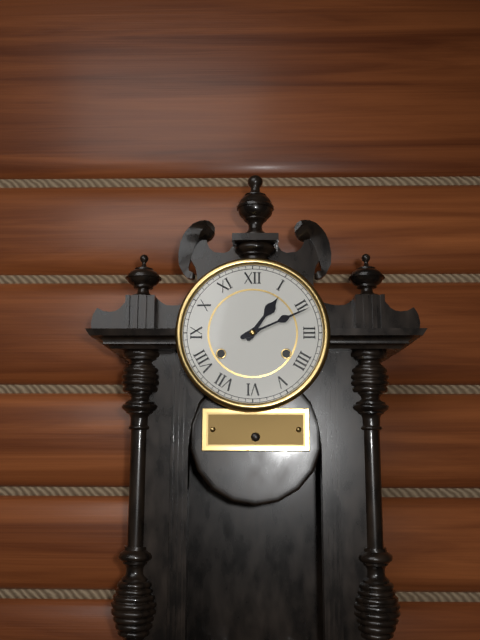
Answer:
1h11
